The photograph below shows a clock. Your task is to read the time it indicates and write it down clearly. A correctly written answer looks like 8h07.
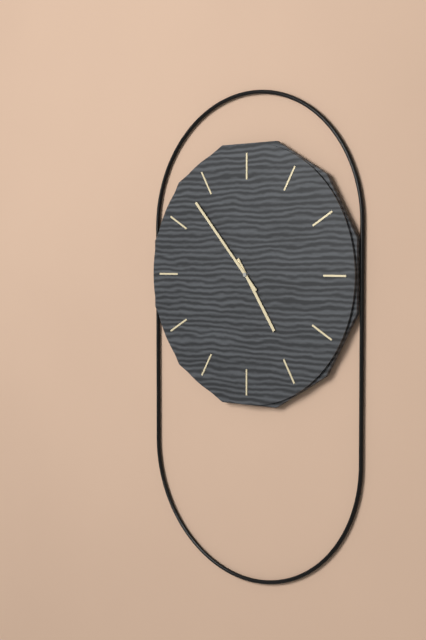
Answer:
4h53
